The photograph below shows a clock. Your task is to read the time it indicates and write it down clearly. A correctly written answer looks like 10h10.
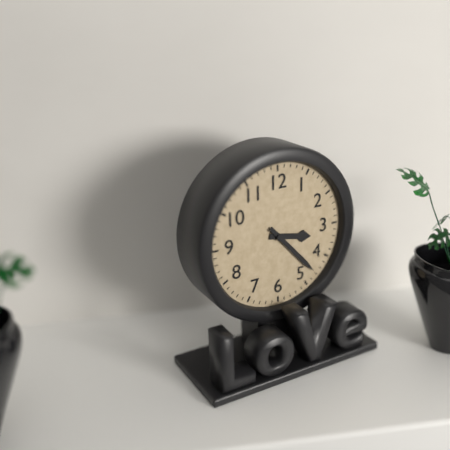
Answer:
3h23
